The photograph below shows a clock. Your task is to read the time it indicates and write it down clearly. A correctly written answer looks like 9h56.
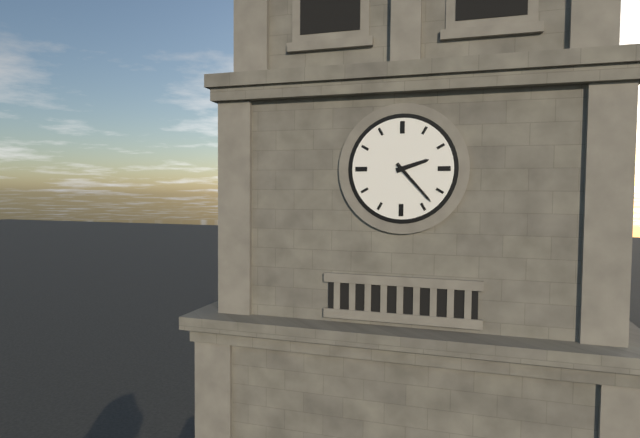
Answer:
2h23
